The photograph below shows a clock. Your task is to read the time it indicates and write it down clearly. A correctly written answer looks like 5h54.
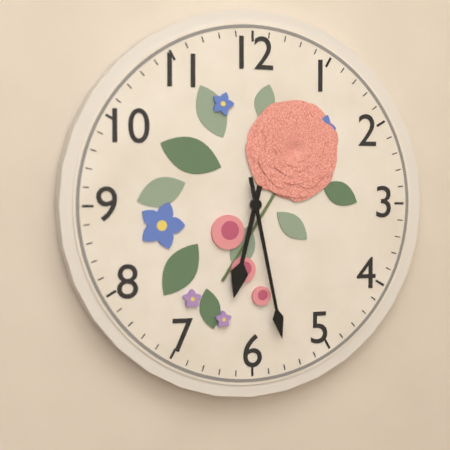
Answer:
6h28
